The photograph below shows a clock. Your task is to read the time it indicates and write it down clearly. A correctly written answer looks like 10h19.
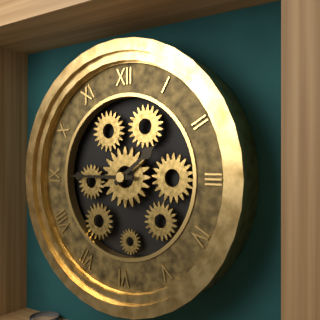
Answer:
1h45
